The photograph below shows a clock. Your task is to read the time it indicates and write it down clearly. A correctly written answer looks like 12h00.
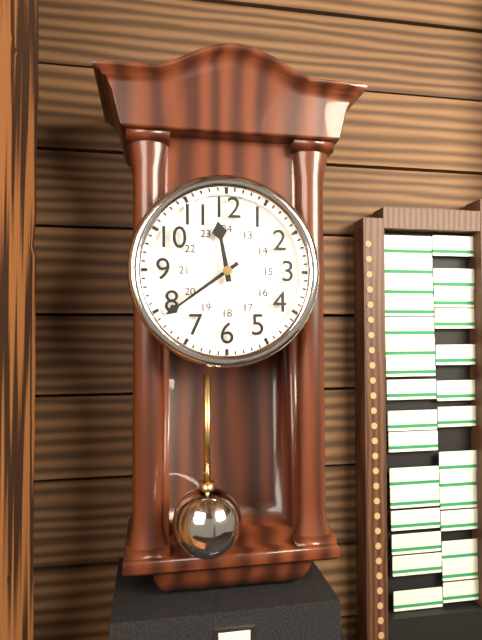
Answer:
11h39
